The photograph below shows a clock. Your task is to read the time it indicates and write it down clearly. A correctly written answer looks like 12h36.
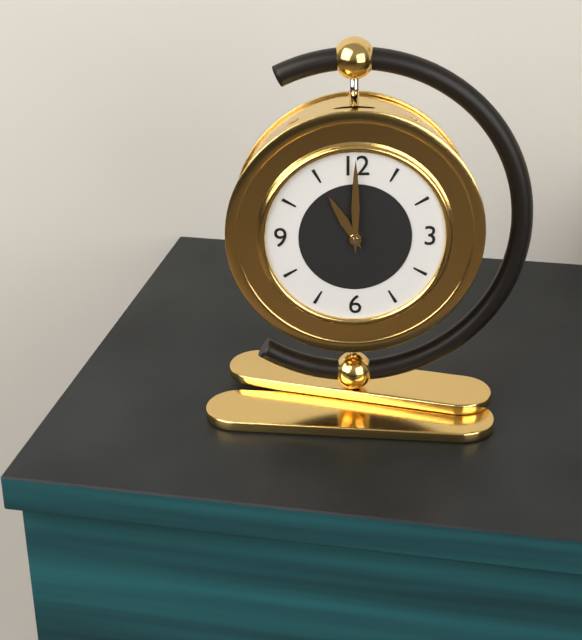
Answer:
11h00
